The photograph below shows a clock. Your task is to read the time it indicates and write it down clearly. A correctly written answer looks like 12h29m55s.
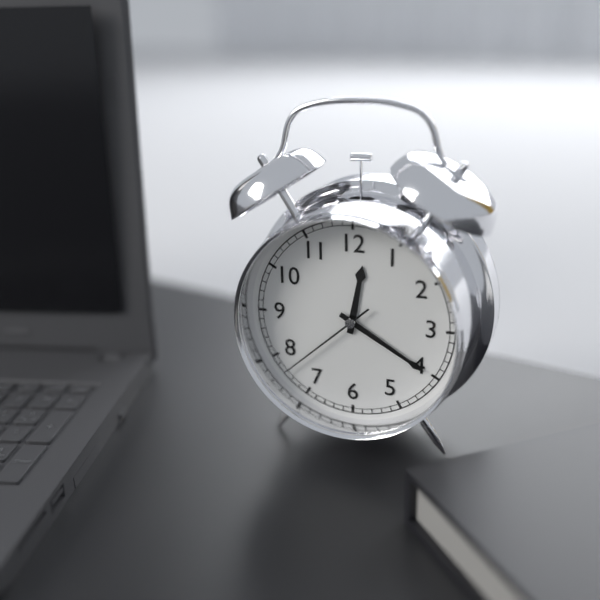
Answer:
12h20m38s
